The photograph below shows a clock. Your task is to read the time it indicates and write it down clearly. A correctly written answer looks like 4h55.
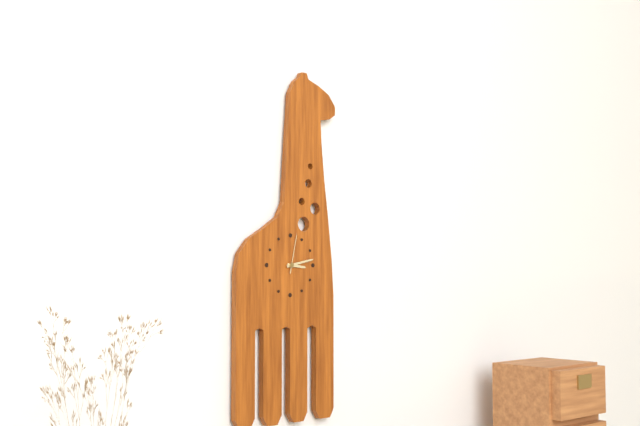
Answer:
3h13
